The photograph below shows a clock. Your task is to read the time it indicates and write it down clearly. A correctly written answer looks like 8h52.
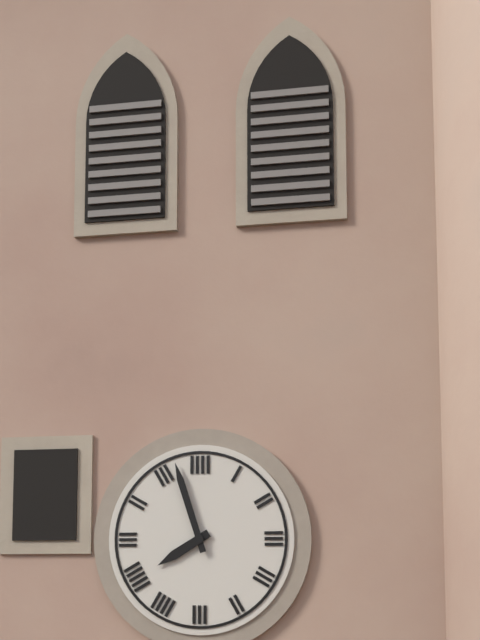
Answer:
7h57
